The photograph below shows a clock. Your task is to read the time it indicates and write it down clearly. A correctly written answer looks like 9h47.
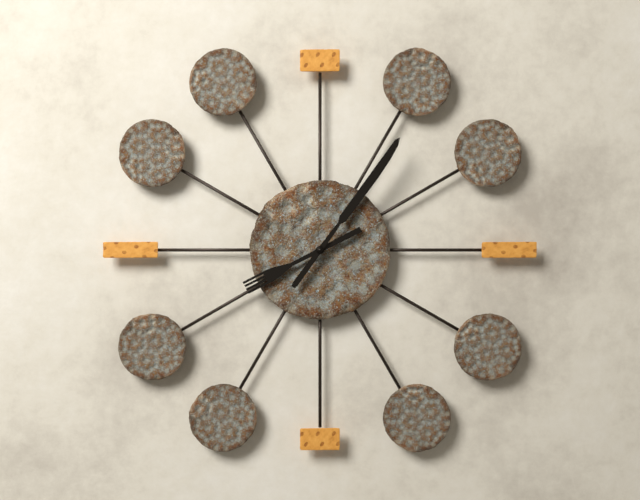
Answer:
8h06
